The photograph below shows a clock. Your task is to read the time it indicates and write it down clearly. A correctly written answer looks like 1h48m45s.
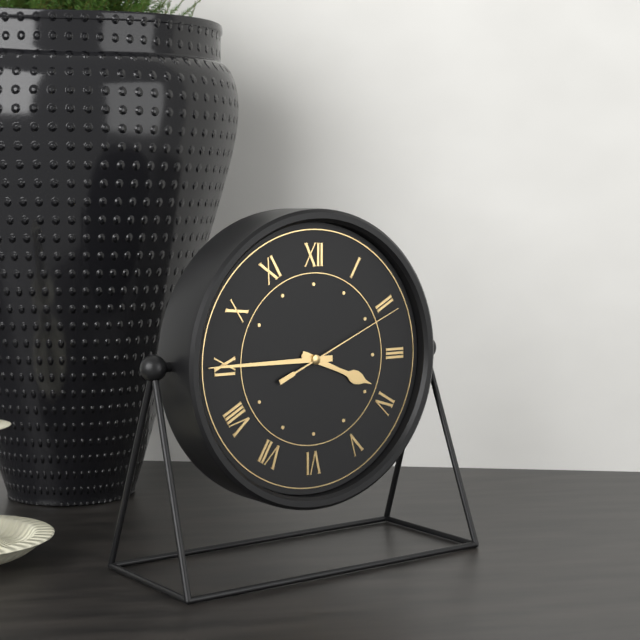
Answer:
3h45m11s
